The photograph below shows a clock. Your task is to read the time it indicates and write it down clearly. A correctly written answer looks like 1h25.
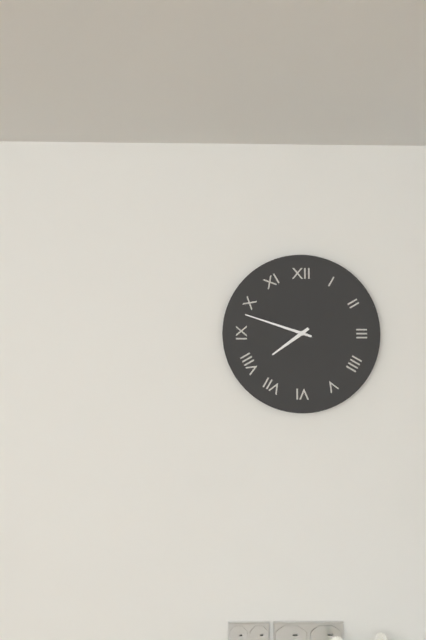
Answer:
7h48
